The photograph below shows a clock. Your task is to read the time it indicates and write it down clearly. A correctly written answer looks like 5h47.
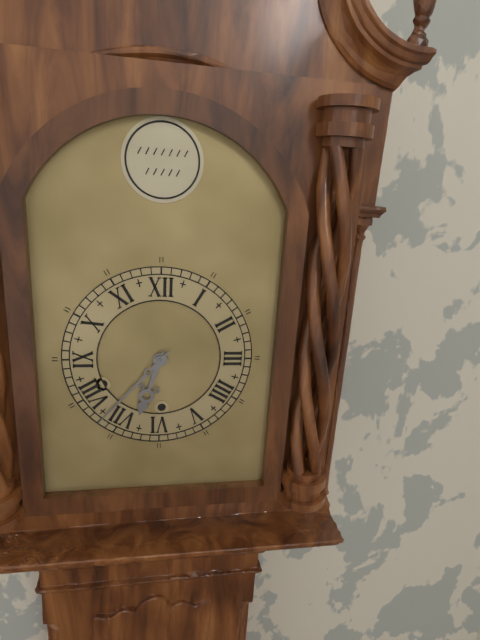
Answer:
6h37
